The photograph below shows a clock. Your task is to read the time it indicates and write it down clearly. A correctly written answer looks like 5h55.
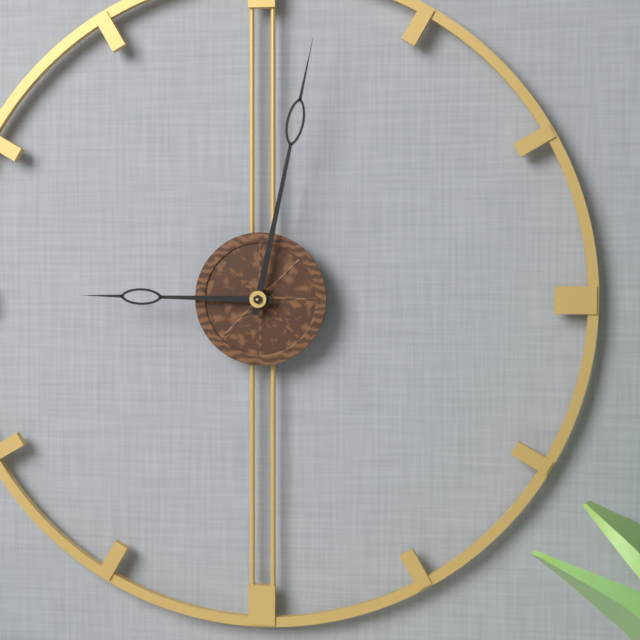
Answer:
9h02
